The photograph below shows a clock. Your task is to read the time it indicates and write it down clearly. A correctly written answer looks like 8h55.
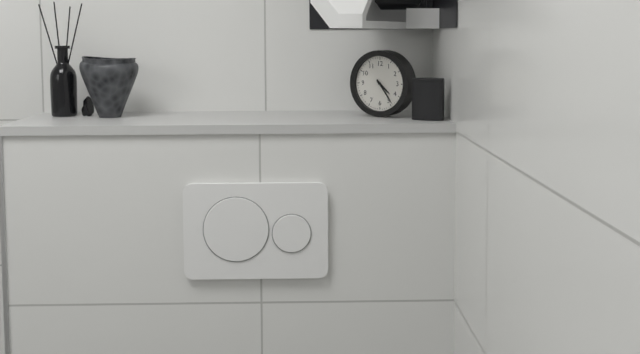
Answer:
4h24
